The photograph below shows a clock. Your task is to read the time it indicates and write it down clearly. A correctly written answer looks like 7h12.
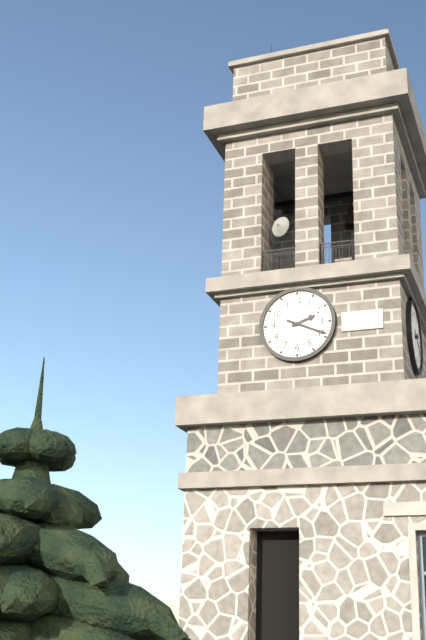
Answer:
2h19
